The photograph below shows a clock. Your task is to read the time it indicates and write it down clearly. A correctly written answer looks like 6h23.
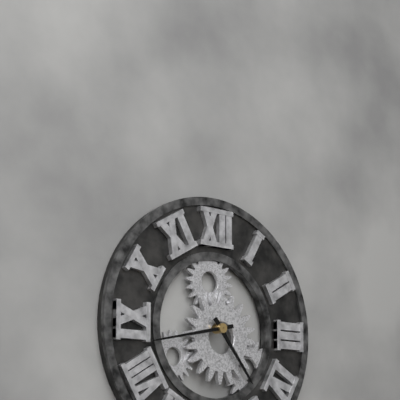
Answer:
4h43
